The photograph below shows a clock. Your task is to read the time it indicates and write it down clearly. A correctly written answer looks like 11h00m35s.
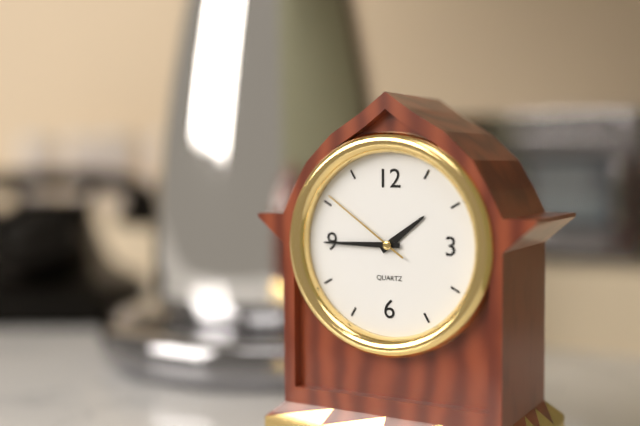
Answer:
1h45m51s
